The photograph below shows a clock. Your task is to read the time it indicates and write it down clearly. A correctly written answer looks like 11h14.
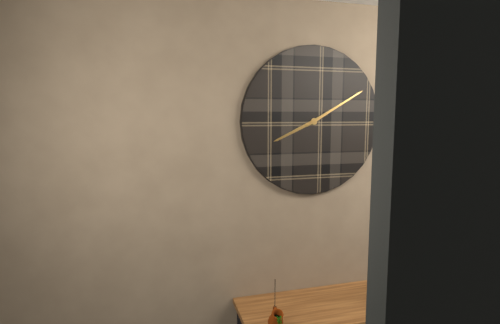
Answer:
8h10
